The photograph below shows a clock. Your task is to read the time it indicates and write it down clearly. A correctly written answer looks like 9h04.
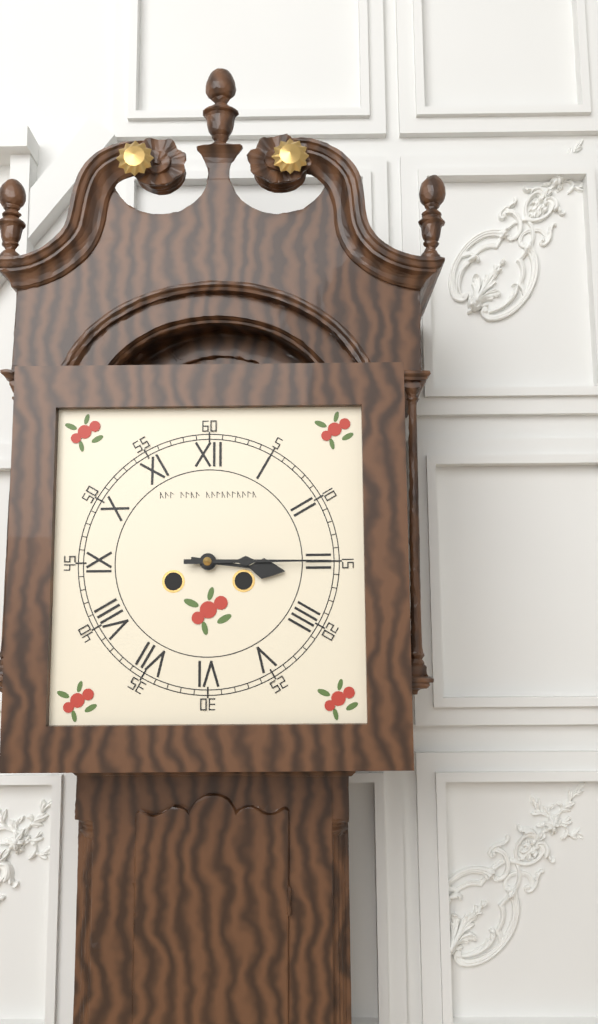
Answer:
3h15
